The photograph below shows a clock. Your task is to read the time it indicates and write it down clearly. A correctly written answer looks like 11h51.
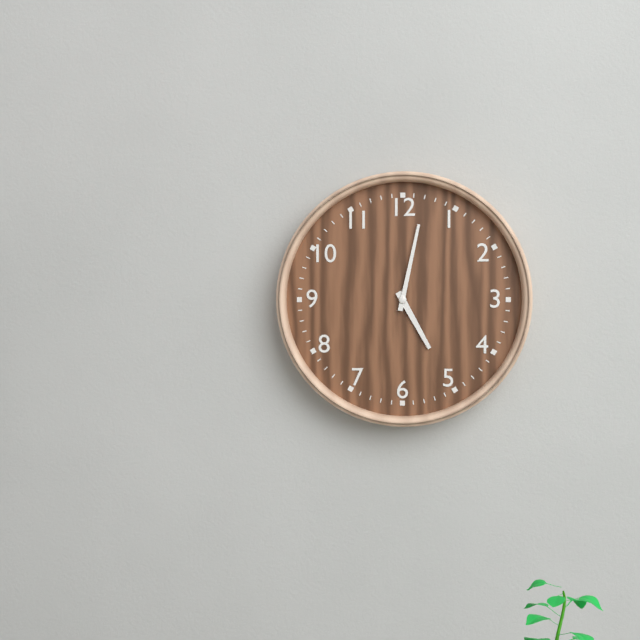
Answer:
5h02
